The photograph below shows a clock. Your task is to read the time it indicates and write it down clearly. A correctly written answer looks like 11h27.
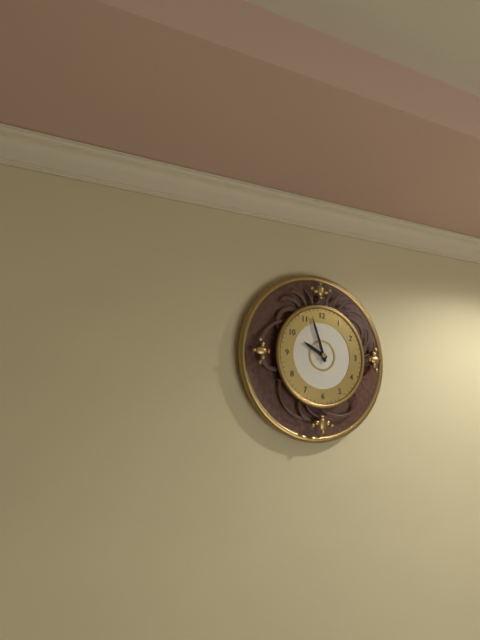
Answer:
9h57
